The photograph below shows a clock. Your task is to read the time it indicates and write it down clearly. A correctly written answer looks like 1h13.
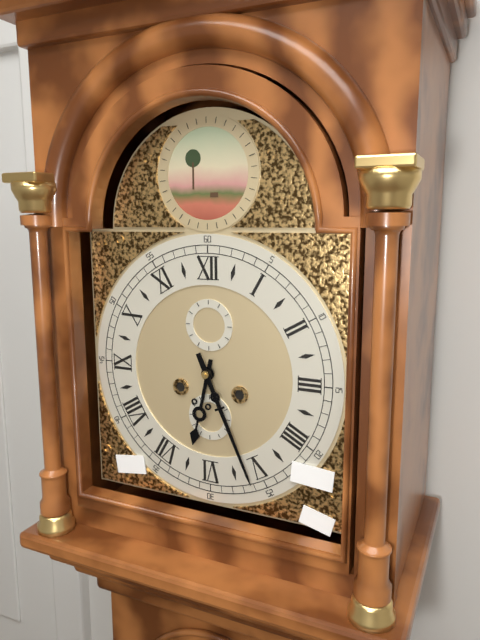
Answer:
6h26
